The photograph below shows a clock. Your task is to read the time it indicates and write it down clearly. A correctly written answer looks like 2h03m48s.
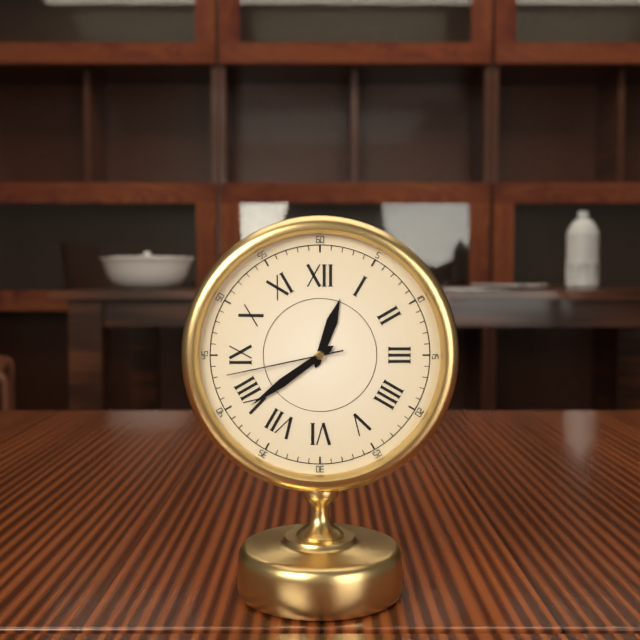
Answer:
12h39m43s
